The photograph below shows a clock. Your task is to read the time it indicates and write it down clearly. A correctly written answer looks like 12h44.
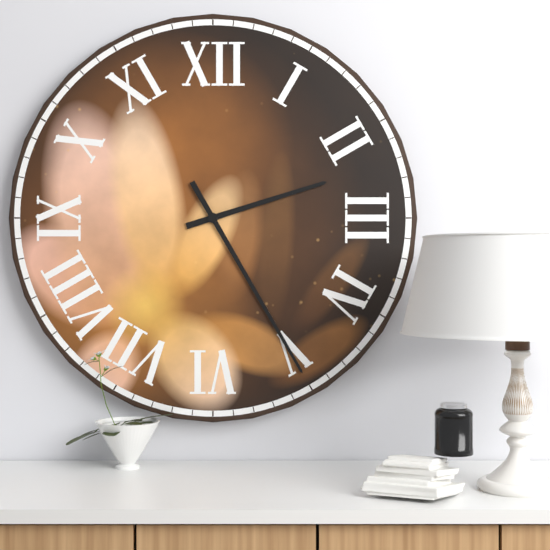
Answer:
2h25
